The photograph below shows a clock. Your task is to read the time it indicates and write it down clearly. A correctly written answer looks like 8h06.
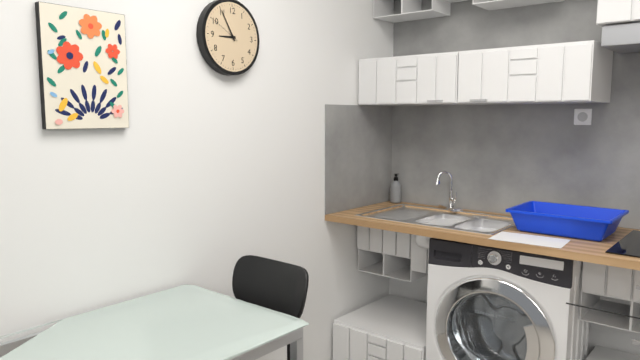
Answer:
8h55
